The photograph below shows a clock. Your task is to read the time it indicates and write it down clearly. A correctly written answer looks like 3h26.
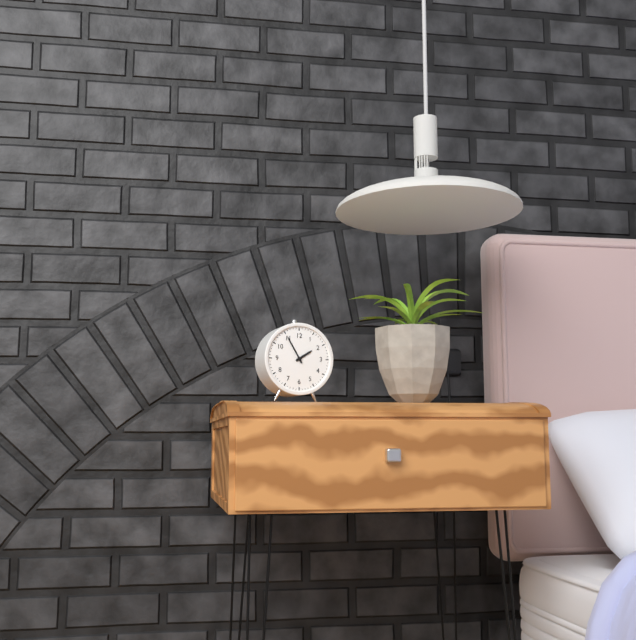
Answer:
1h55
